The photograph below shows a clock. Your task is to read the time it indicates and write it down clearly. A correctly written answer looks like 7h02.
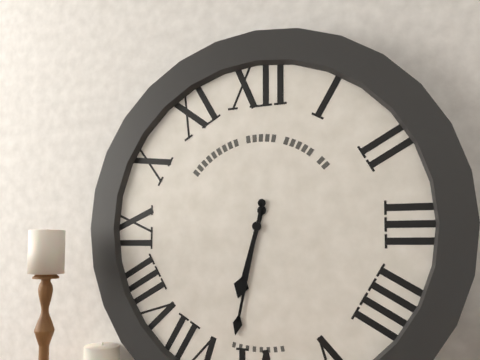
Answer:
6h32
